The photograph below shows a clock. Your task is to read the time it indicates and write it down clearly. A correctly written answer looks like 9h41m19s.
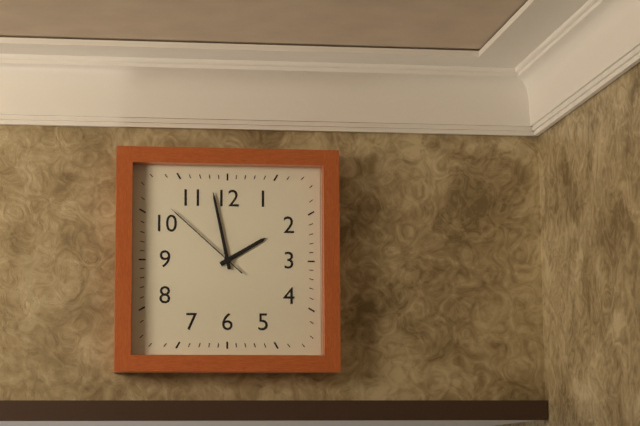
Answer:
1h58m52s
